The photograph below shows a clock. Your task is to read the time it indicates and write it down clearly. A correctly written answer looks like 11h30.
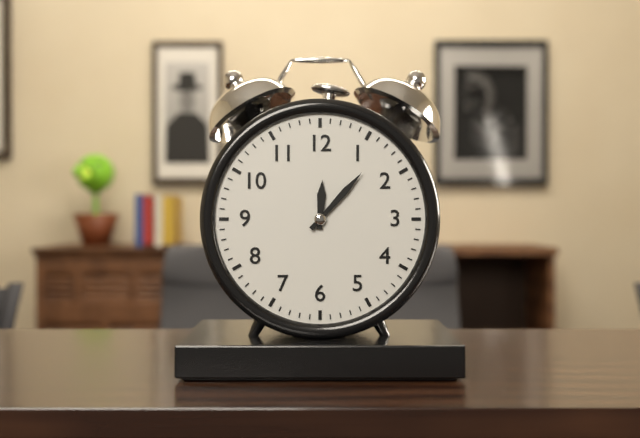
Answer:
12h07
